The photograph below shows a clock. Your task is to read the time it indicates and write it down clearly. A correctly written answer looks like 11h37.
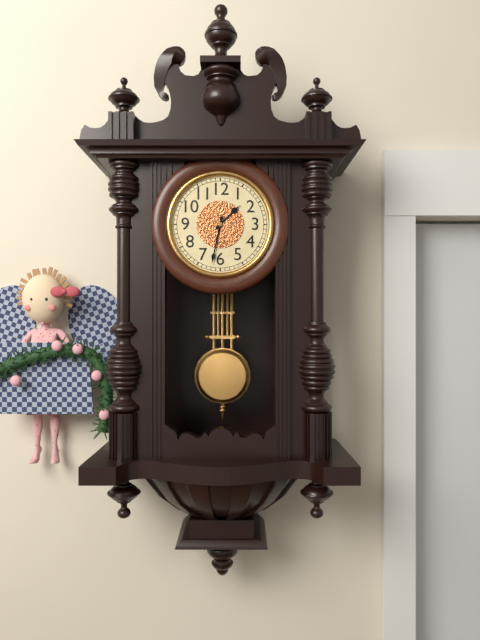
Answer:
1h32
